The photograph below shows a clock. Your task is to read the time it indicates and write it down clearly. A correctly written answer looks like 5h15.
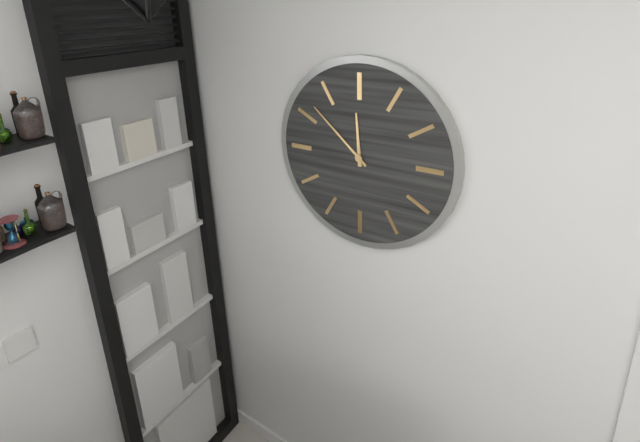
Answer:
11h52
